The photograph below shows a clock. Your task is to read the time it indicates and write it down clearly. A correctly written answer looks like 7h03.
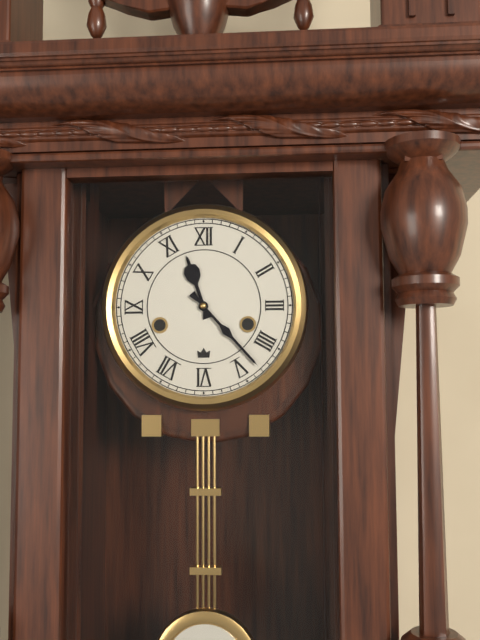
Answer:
11h23
